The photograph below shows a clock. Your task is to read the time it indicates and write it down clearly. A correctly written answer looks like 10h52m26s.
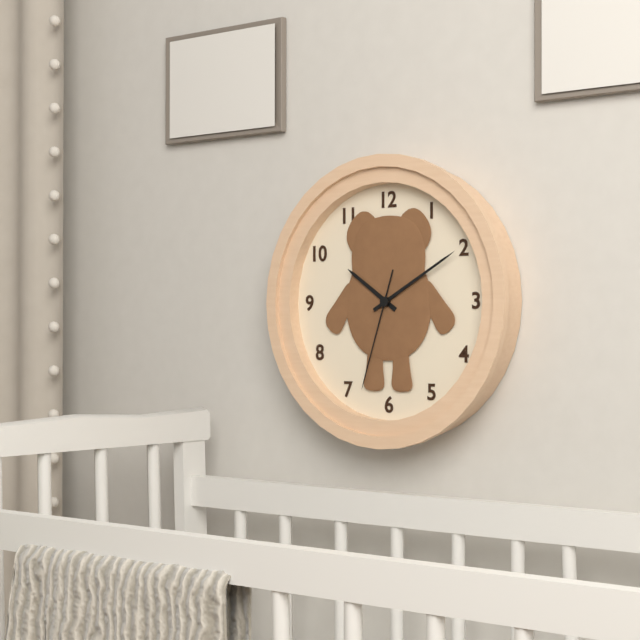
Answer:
10h10m33s
